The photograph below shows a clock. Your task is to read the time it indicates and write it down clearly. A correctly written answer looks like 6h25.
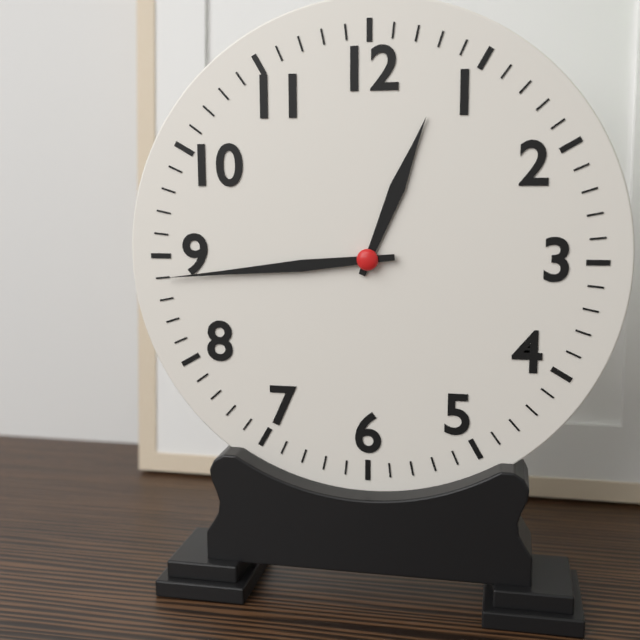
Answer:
12h44
